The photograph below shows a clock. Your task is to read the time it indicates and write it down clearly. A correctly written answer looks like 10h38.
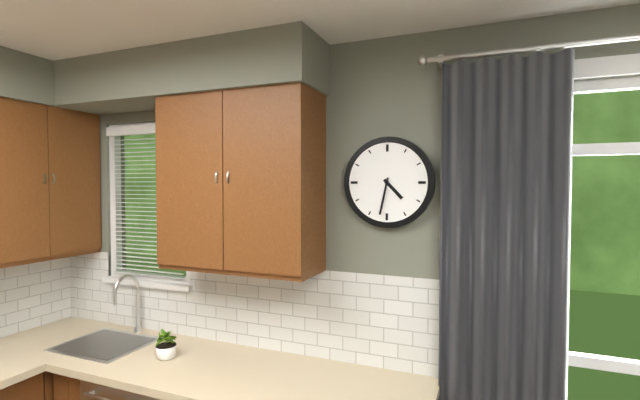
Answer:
4h32
